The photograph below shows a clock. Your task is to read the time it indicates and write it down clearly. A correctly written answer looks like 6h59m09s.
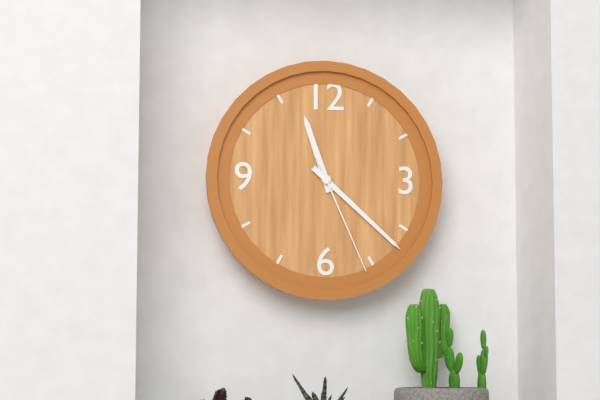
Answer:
11h22m26s
